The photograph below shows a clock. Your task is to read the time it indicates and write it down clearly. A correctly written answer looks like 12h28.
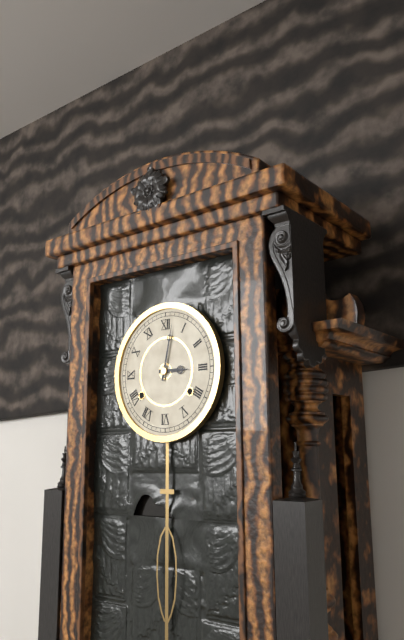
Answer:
3h02
